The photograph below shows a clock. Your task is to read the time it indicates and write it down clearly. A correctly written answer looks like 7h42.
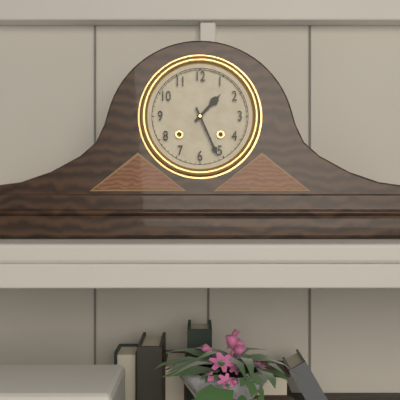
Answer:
1h26
